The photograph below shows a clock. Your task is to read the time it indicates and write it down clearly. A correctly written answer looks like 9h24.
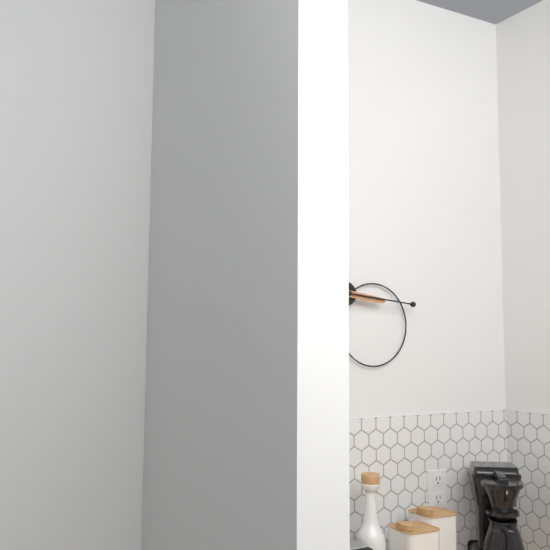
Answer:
3h16
